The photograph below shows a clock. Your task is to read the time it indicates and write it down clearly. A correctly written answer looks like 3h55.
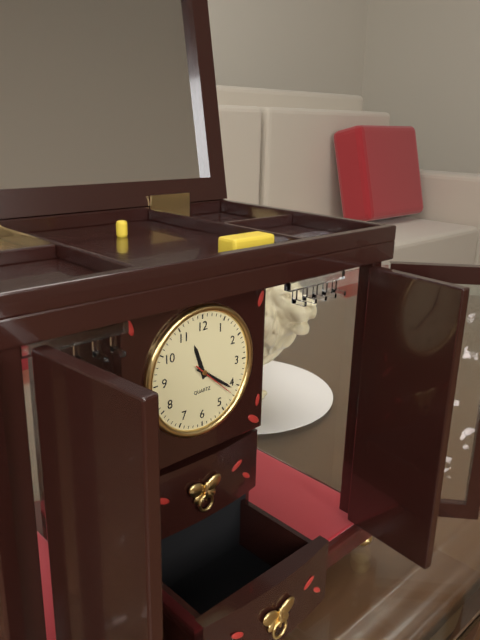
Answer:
11h21
